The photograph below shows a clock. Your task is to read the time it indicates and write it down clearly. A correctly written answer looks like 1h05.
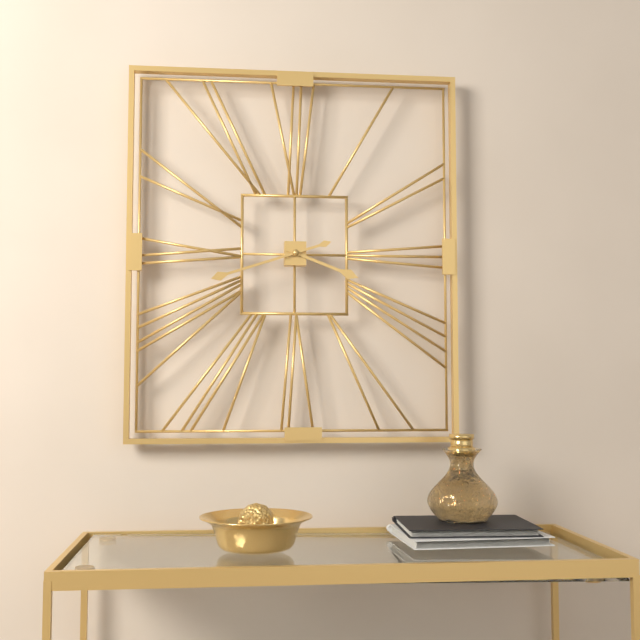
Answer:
3h42
